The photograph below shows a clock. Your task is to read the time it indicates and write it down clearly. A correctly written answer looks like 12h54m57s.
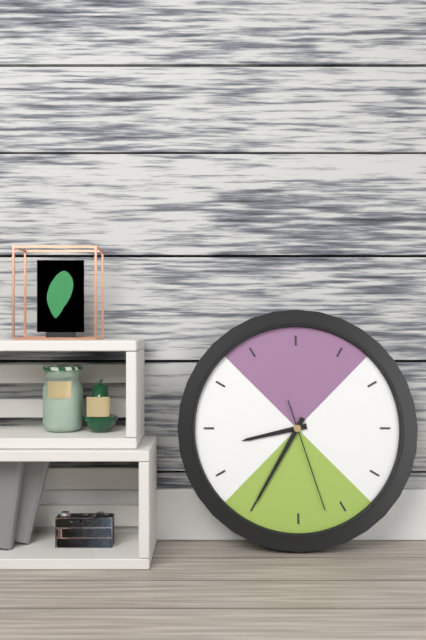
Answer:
8h35m27s
